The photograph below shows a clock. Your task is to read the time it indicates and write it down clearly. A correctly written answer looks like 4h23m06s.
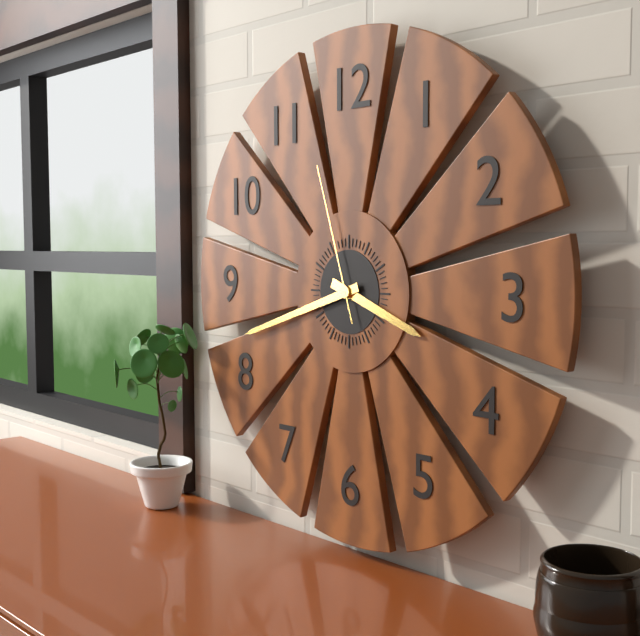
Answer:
3h42m57s
